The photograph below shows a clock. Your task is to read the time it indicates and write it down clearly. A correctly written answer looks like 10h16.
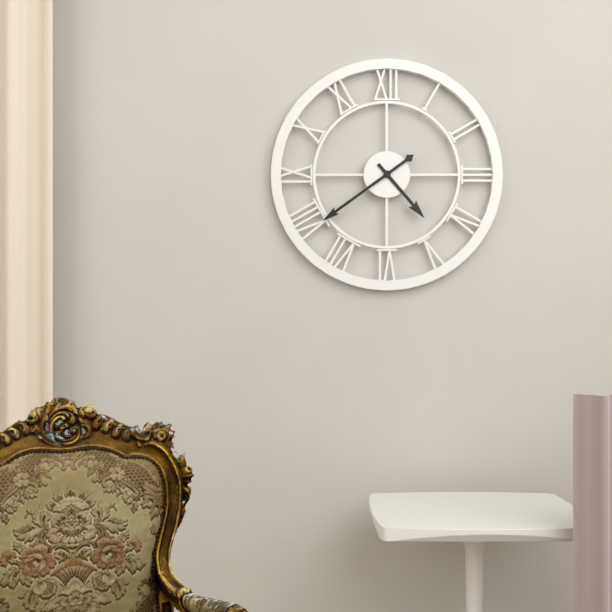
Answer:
4h39
